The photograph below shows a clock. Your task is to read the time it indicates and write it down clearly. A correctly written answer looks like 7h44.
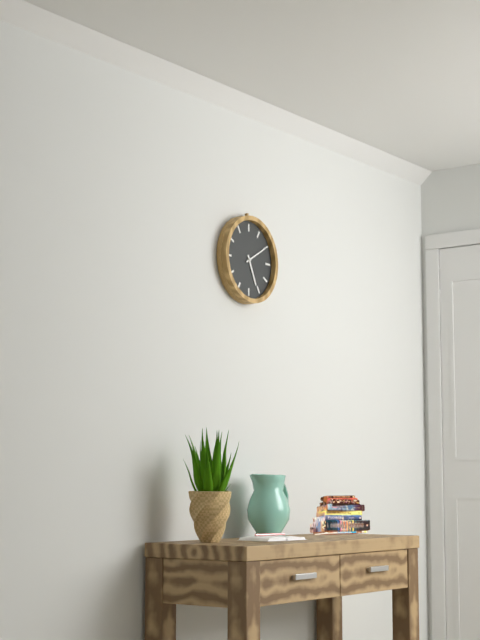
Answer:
5h10
